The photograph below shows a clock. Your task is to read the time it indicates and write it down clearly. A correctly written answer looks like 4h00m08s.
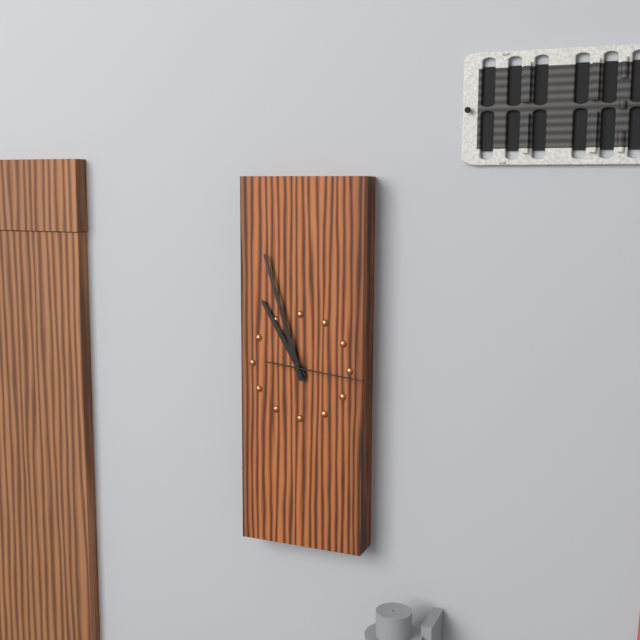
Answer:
10h57m16s
